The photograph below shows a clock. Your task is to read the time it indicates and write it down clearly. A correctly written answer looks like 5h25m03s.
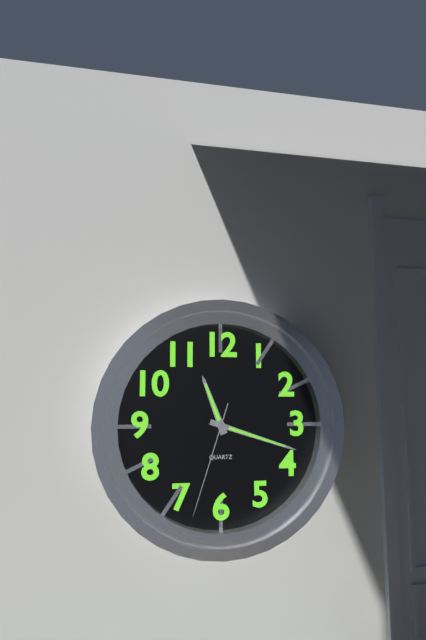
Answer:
11h18m33s
